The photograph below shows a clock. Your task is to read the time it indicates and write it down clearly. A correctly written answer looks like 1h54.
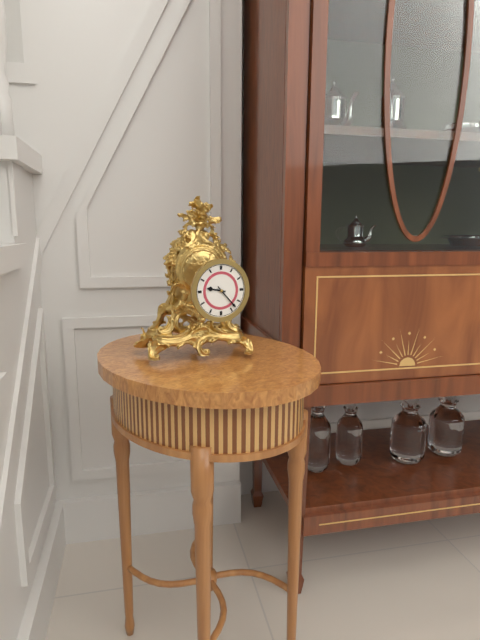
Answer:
9h23
